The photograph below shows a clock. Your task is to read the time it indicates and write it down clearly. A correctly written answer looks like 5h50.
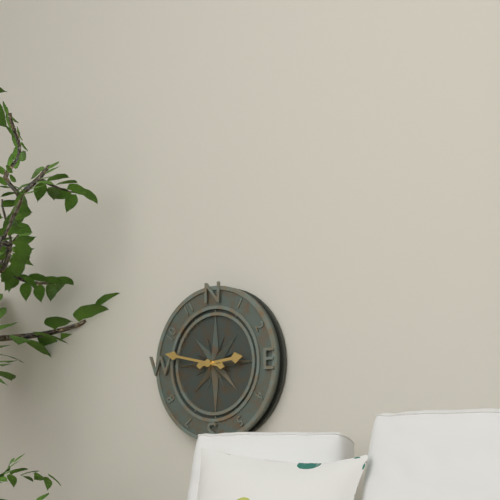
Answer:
2h47
